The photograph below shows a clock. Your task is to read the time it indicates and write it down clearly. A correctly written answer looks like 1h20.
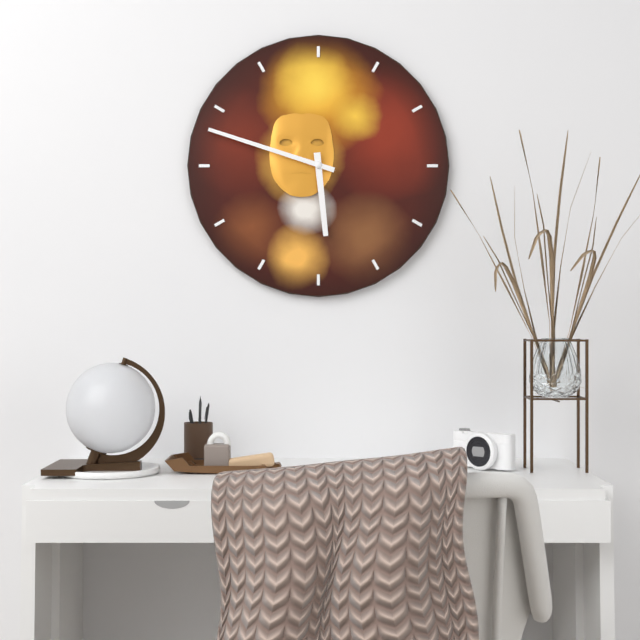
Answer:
5h48
